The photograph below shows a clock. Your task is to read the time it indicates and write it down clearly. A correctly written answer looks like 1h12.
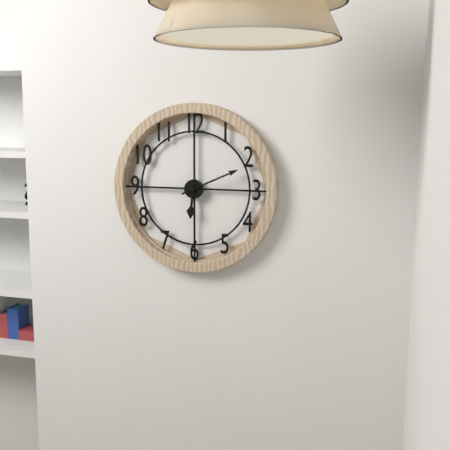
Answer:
6h11
